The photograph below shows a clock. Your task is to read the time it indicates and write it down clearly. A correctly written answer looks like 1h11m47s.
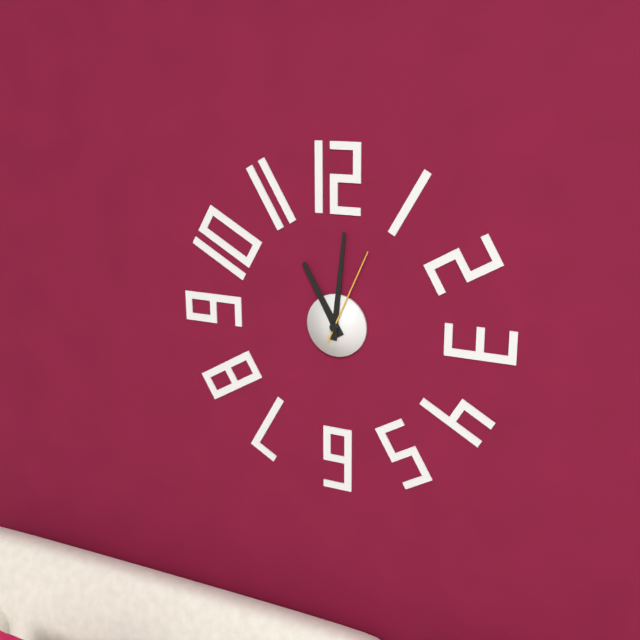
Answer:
11h01m04s
